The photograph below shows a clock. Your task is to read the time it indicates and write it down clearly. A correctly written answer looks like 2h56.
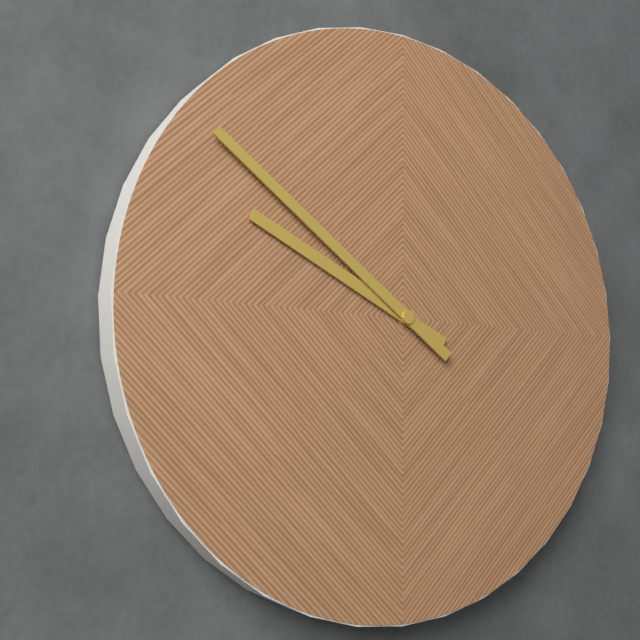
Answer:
9h51
